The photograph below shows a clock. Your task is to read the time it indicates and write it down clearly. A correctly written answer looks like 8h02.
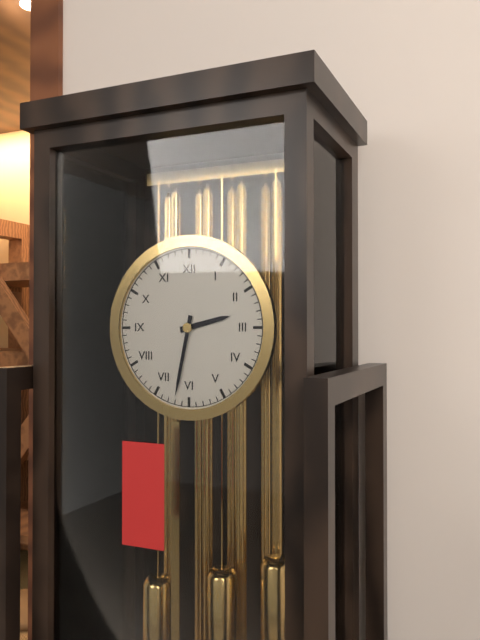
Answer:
2h32
